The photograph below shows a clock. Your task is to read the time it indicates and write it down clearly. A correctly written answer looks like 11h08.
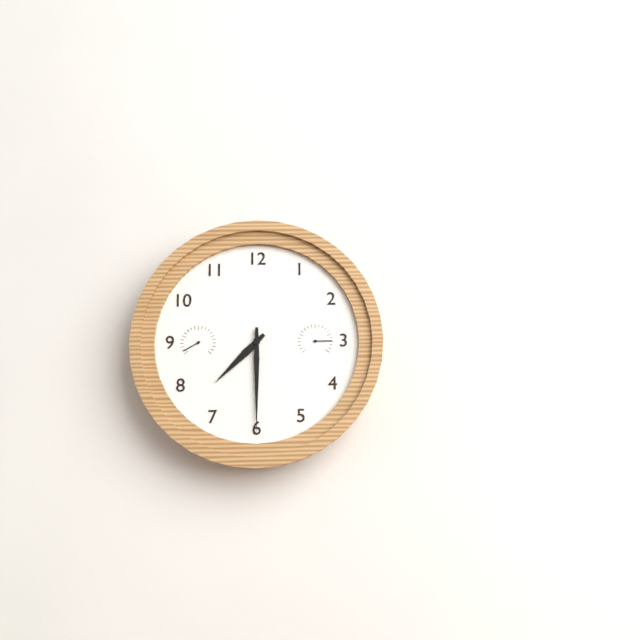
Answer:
7h30
